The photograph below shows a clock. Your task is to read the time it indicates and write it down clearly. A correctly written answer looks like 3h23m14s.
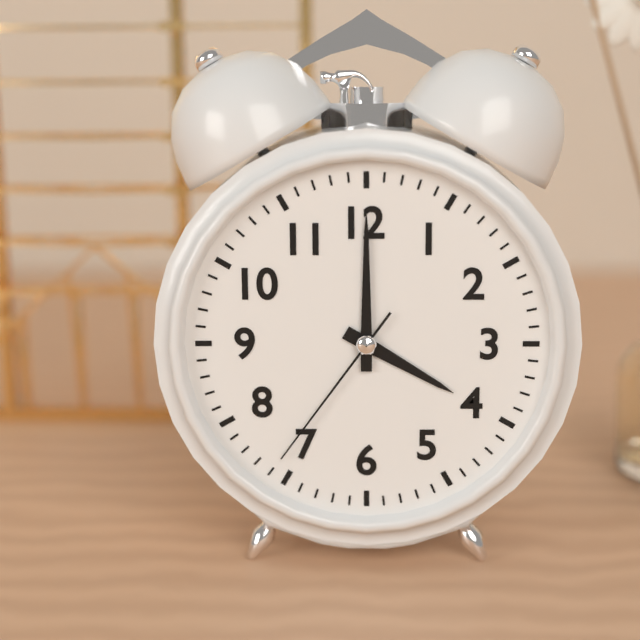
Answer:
4h00m36s
